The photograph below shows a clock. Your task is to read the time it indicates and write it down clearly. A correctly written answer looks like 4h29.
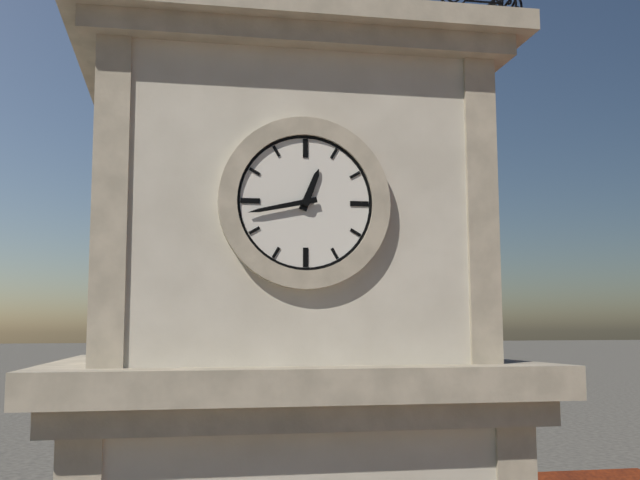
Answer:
12h43
